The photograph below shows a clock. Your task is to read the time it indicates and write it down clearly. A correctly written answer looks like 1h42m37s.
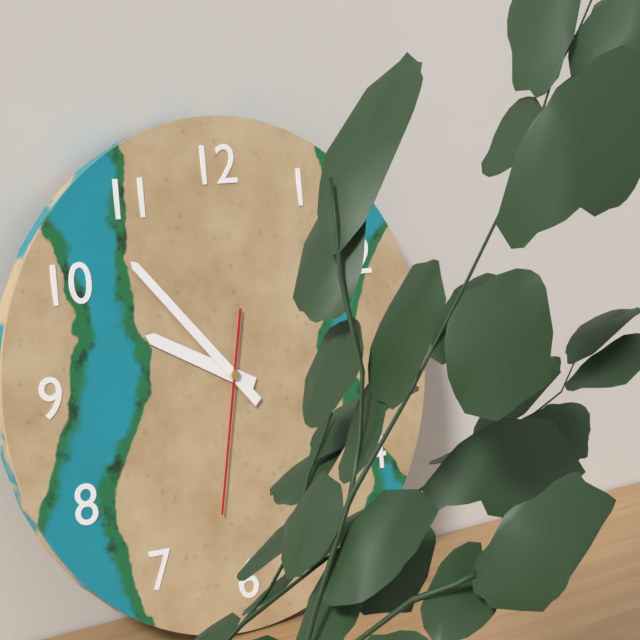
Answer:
9h53m32s
